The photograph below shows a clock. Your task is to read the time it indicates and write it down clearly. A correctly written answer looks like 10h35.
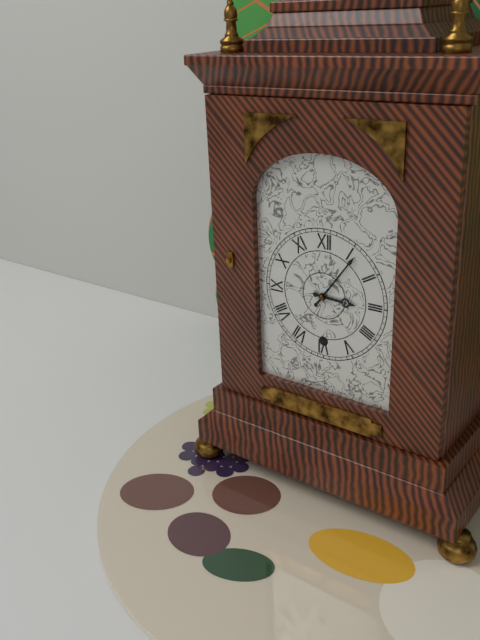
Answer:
3h06
